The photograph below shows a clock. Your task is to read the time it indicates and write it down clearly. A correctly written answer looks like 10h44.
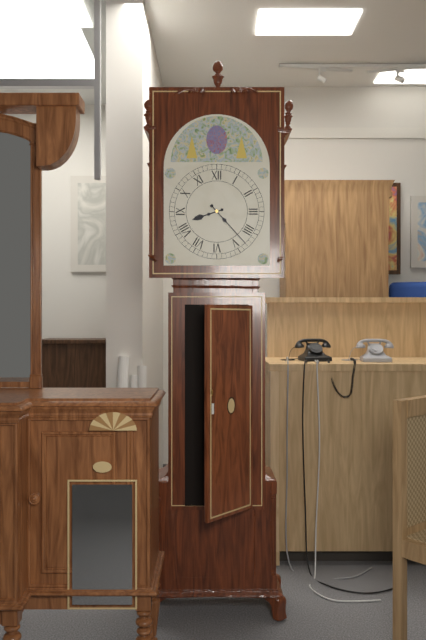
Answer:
8h23
